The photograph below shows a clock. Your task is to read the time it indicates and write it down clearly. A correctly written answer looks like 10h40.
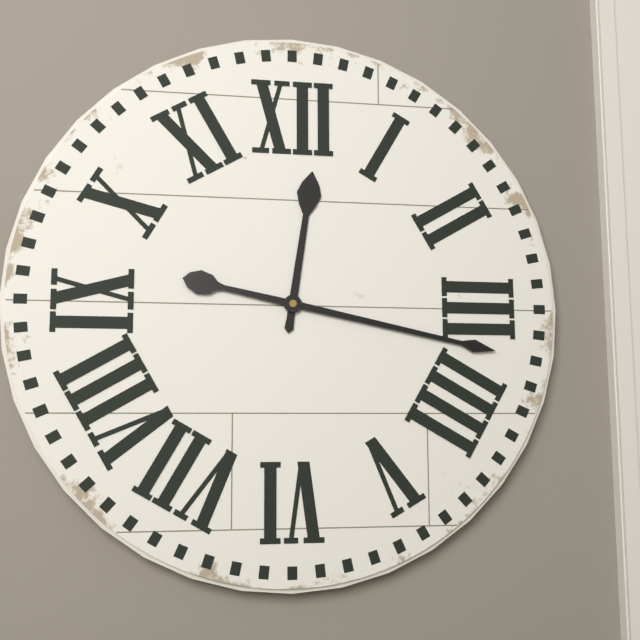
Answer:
12h17
